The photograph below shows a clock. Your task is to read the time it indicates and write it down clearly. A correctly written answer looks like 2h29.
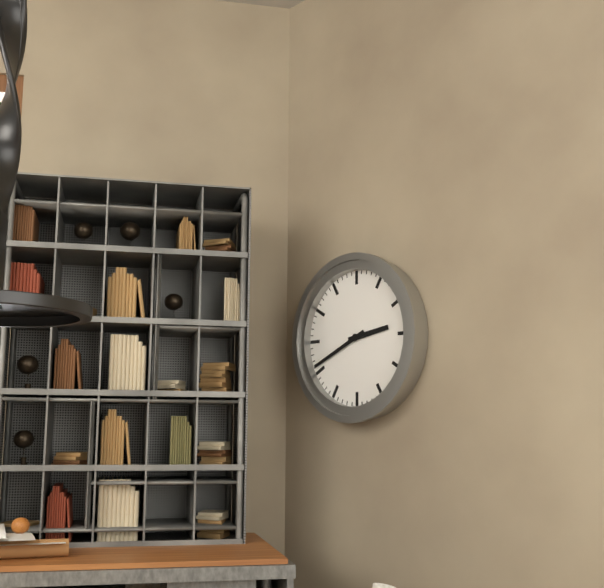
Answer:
2h41
